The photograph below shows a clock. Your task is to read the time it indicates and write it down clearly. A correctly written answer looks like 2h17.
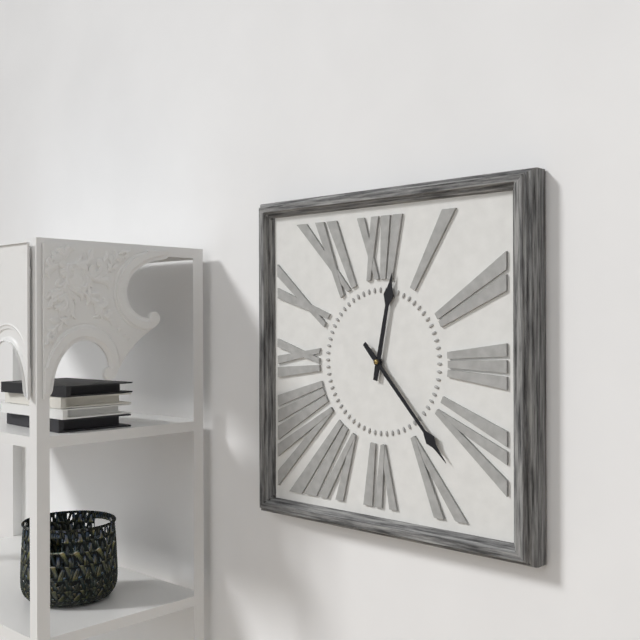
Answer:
12h23
